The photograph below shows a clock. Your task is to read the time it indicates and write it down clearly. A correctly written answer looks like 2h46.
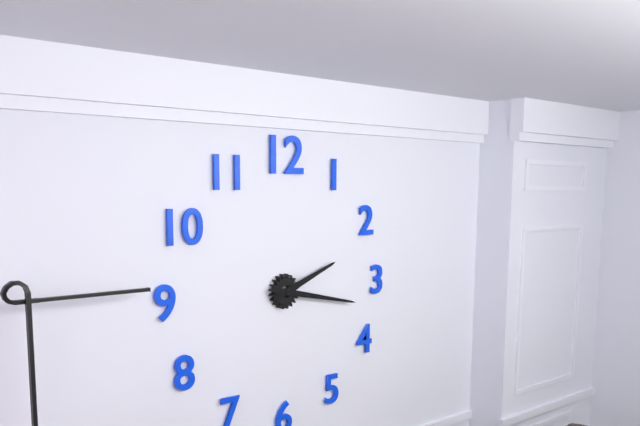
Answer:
2h17
